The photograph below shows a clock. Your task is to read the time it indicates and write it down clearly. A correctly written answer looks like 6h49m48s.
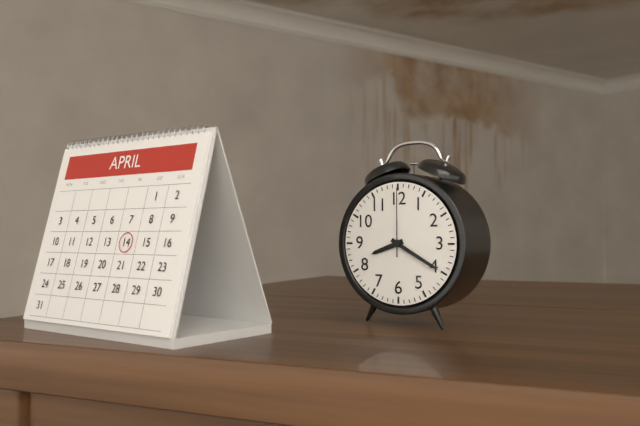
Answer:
8h20m00s
